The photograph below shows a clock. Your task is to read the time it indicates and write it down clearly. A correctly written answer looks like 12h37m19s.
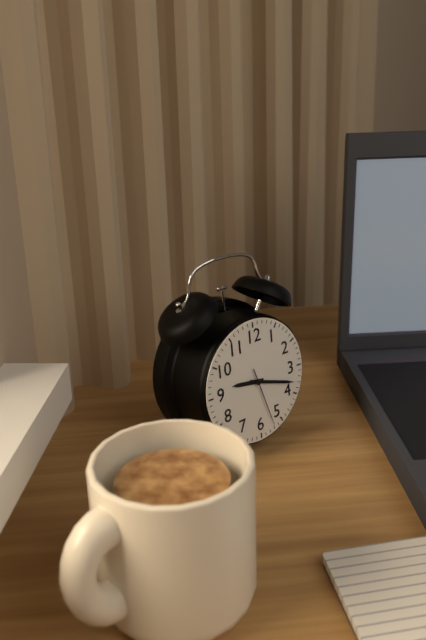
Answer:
9h18m27s
